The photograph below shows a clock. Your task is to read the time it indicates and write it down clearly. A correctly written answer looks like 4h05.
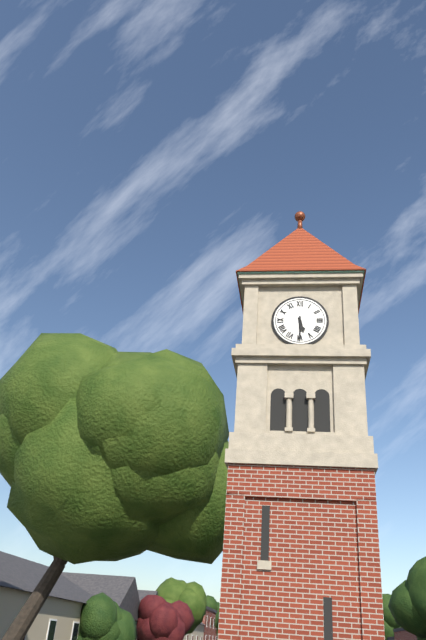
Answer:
5h30
